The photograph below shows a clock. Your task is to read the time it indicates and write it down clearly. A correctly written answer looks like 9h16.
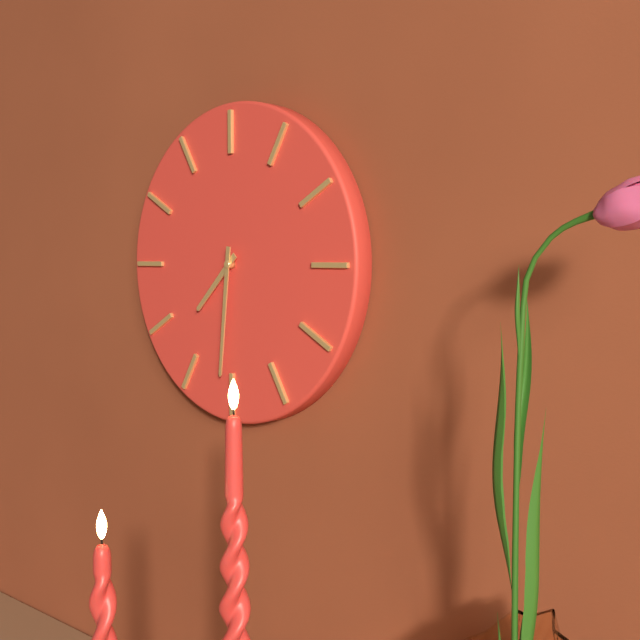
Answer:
7h31
